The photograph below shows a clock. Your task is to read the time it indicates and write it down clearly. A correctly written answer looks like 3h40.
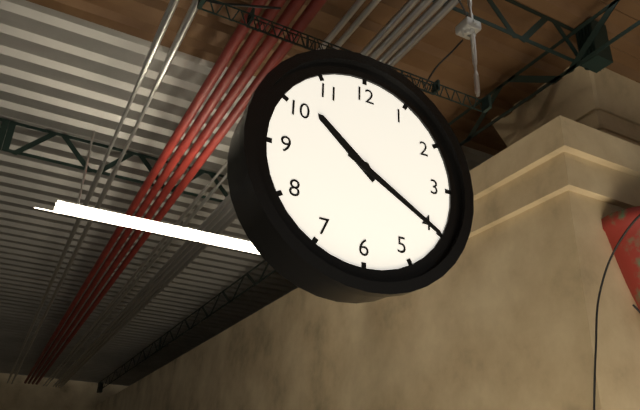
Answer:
10h20
